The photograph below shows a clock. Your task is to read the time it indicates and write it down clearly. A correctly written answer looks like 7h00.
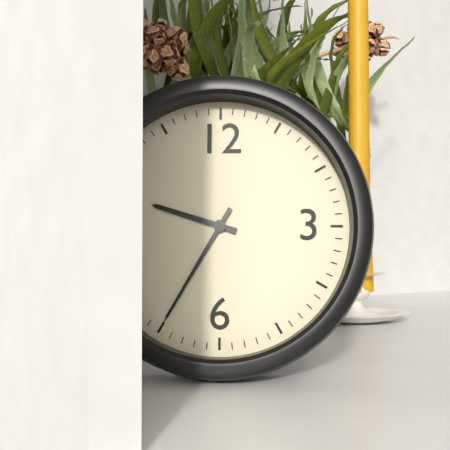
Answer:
9h35
